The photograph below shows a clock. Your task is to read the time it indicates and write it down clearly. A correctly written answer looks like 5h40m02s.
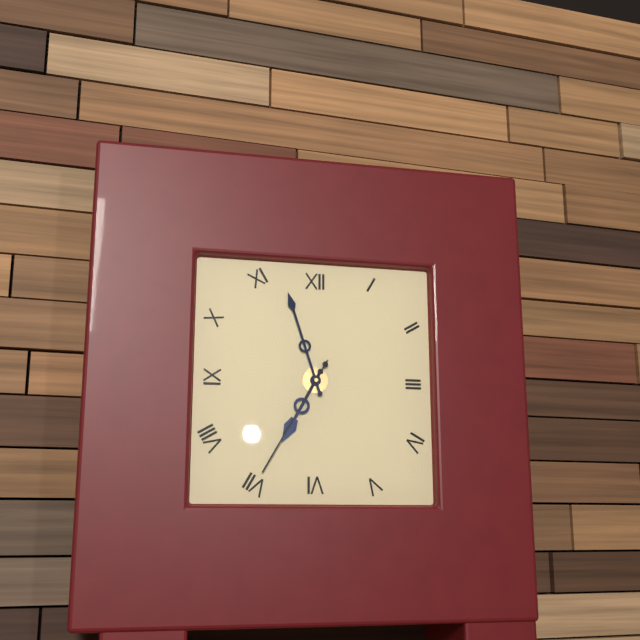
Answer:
6h57m35s
